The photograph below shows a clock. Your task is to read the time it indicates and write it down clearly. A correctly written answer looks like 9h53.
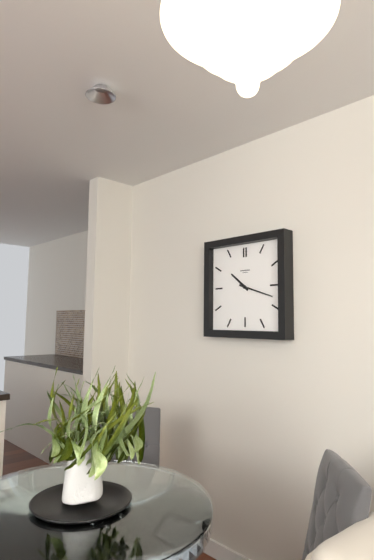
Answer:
10h18
